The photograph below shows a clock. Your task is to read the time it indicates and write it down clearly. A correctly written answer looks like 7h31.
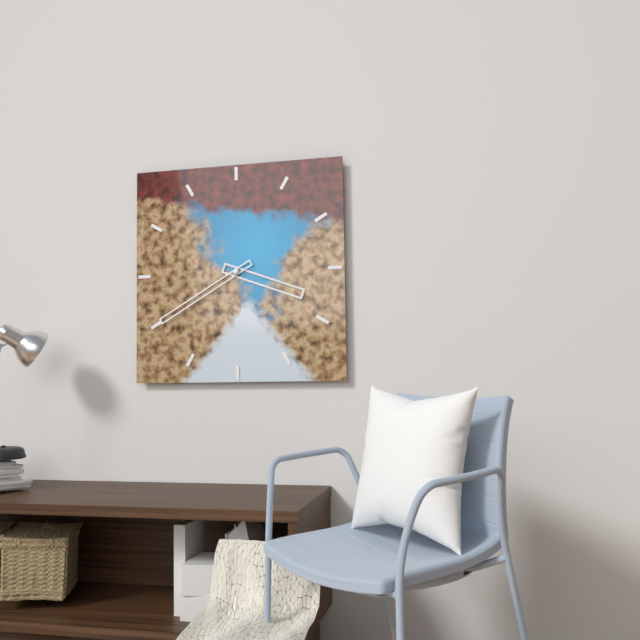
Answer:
3h40
